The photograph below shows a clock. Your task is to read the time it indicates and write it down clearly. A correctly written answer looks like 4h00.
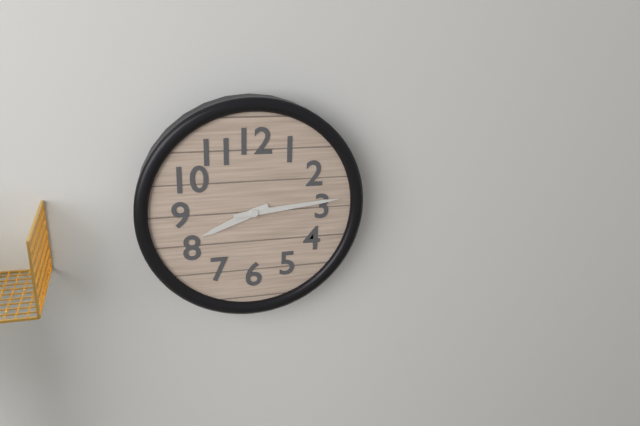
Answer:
8h14
